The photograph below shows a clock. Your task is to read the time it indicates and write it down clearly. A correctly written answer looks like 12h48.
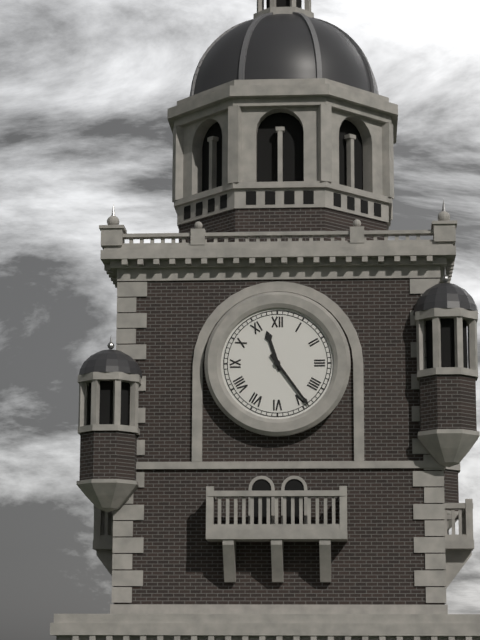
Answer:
11h24
